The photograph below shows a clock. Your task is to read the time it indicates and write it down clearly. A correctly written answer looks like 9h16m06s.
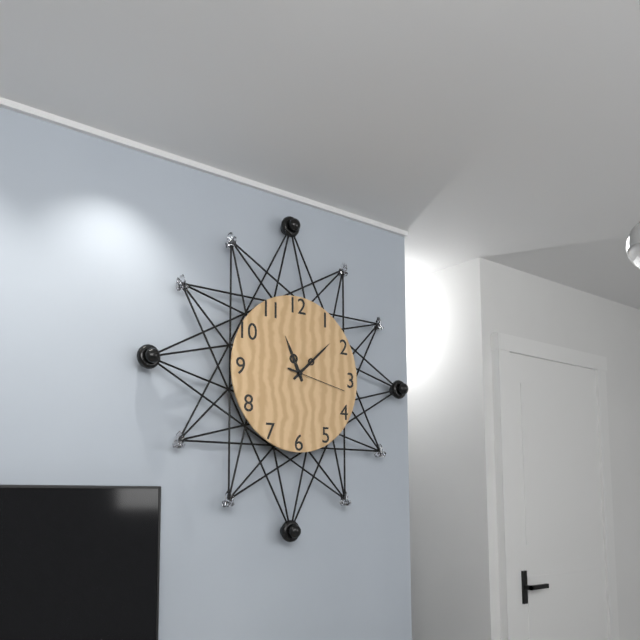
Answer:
11h08m17s
